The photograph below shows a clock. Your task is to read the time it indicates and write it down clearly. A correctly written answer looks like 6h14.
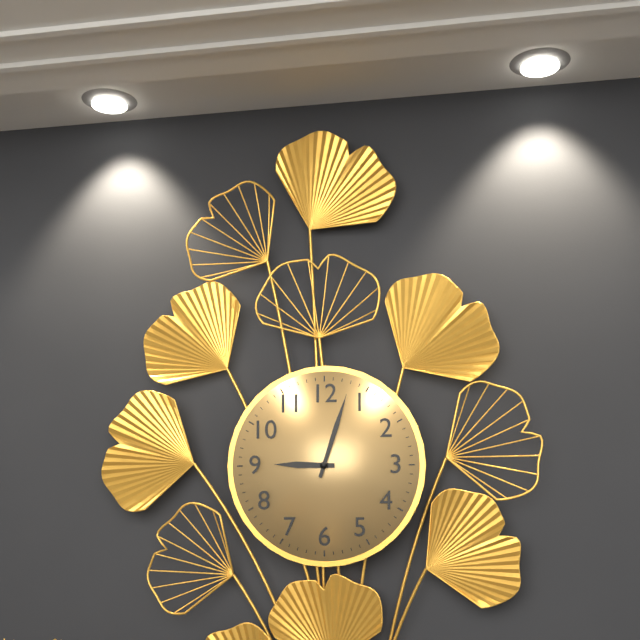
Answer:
9h03
